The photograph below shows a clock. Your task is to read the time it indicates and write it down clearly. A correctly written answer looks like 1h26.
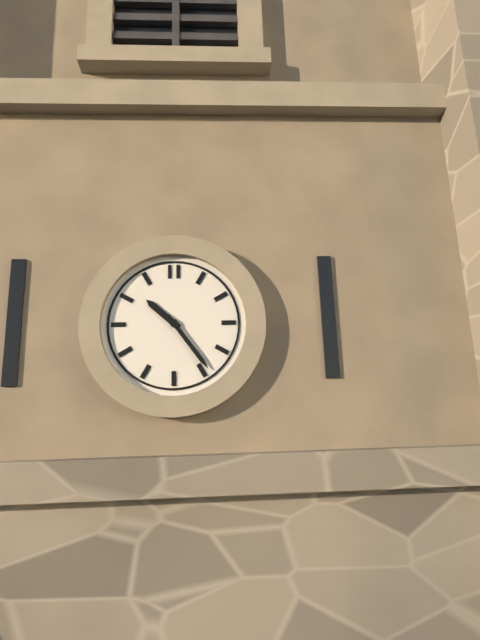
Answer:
10h24
